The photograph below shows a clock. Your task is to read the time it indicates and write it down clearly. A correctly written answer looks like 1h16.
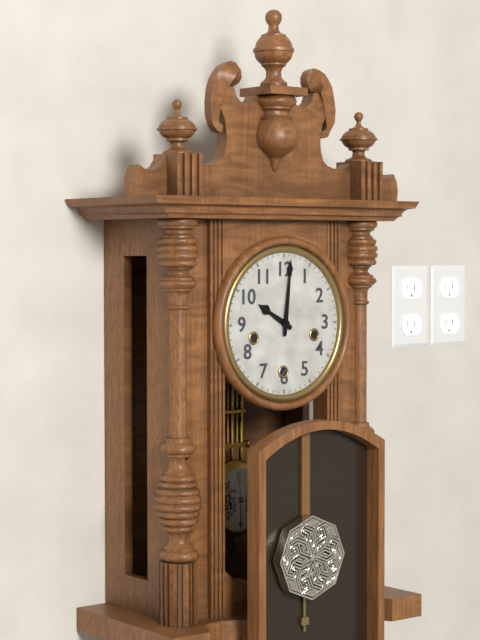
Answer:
10h01
